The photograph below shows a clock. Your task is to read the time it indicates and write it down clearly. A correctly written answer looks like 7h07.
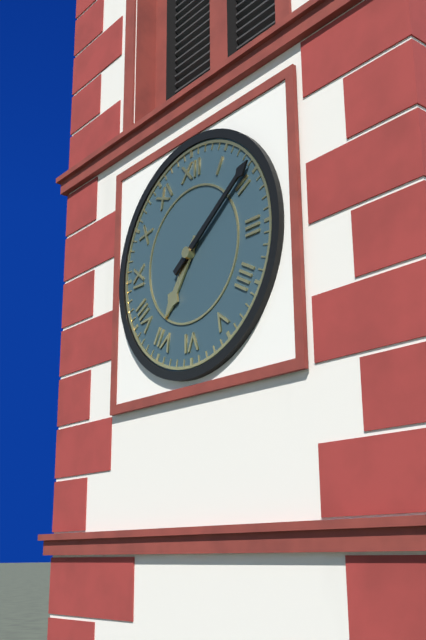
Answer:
7h09
